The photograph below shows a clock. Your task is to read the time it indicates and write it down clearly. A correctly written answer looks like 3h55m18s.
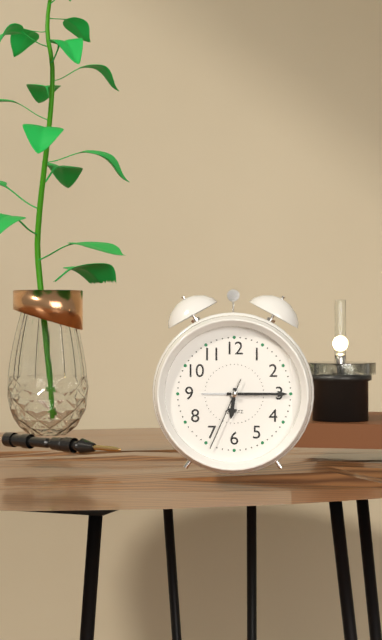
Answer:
6h15m34s
